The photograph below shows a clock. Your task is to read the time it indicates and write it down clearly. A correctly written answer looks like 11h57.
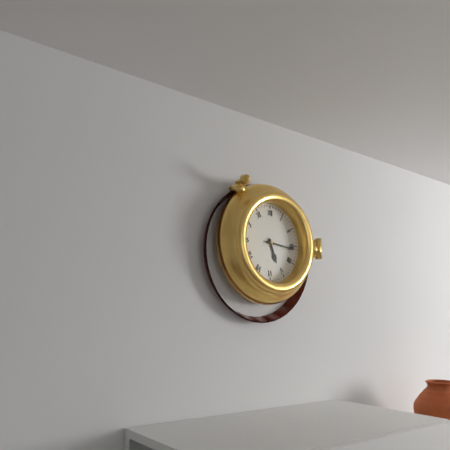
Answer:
5h16
